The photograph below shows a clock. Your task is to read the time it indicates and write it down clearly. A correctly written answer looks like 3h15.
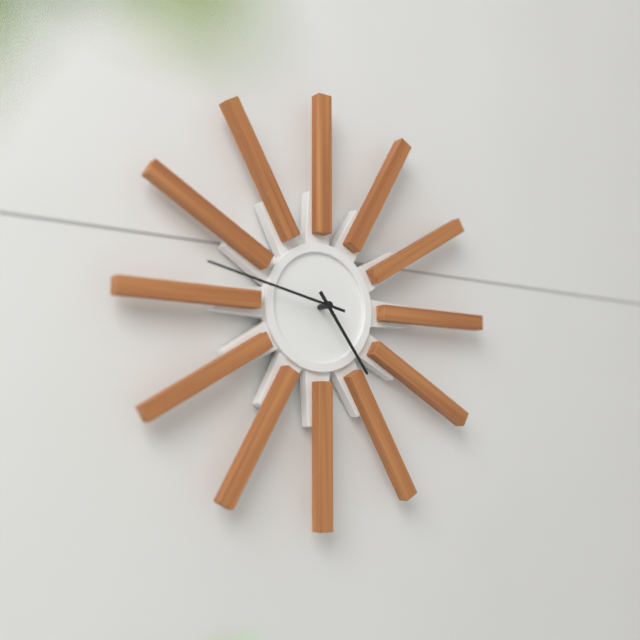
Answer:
4h47
